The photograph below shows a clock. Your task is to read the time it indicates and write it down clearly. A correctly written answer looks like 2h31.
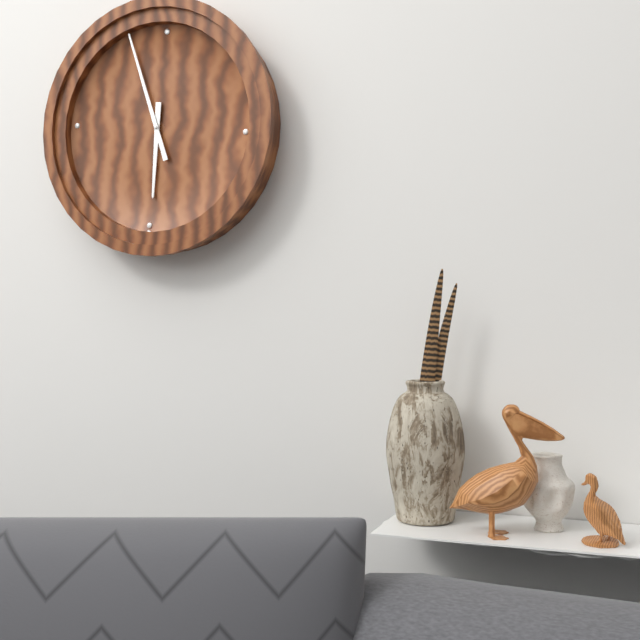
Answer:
5h56
